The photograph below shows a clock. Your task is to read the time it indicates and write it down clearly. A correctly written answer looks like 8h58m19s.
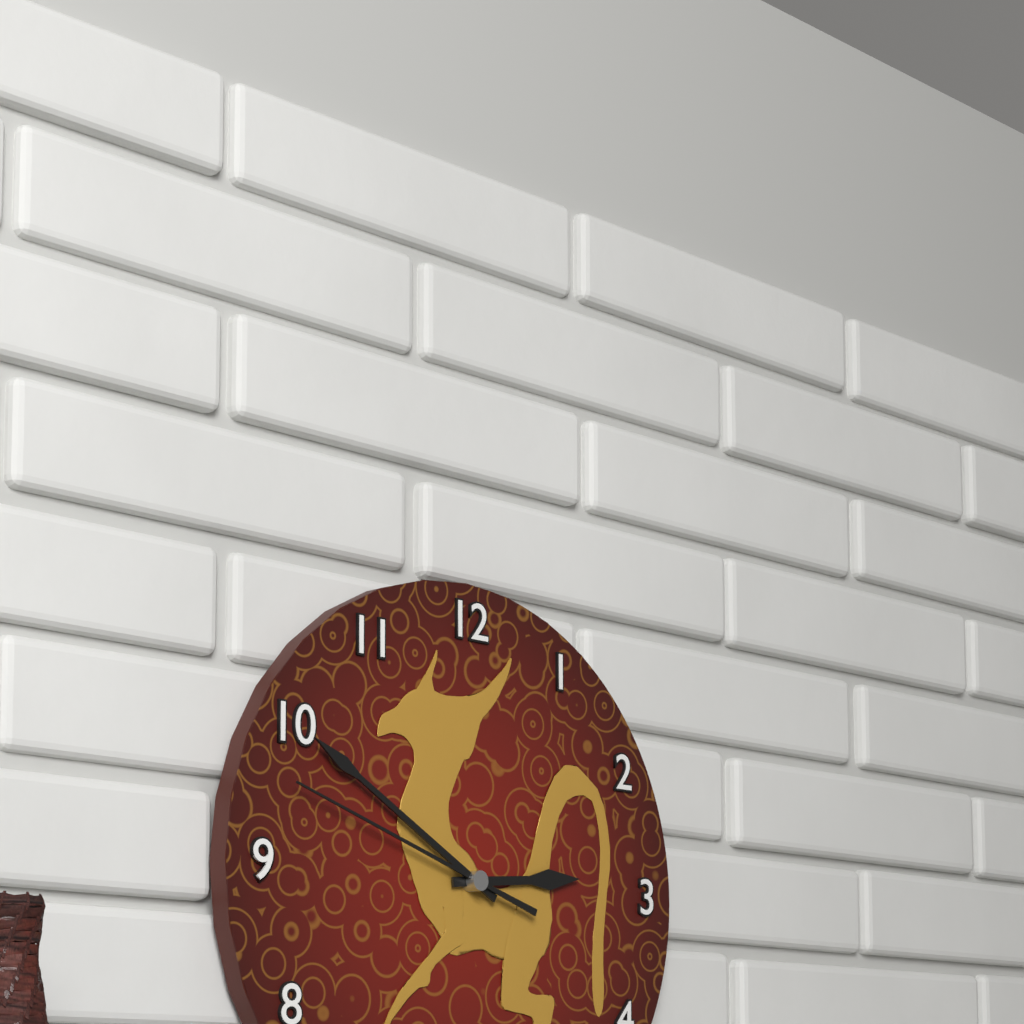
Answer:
2h50m48s
